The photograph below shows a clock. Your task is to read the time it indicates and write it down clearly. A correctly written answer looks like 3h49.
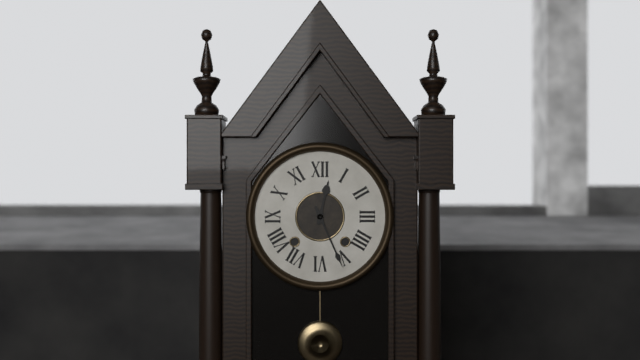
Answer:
12h26
